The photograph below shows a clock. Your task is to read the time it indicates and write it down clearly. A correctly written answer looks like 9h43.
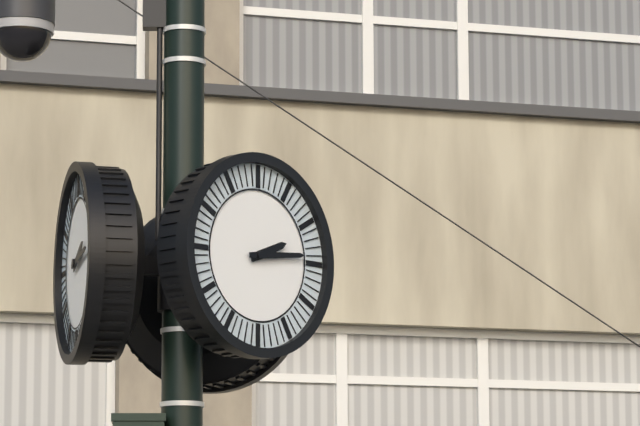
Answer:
2h14
